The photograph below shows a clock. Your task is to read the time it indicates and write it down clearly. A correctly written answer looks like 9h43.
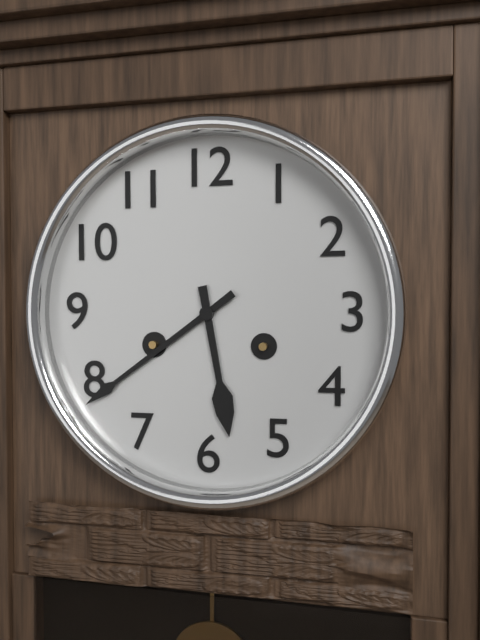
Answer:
5h39
